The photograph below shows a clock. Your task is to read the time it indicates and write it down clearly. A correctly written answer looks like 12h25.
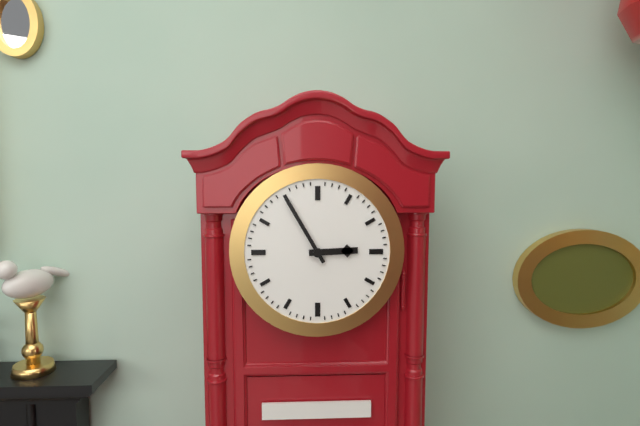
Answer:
2h55
